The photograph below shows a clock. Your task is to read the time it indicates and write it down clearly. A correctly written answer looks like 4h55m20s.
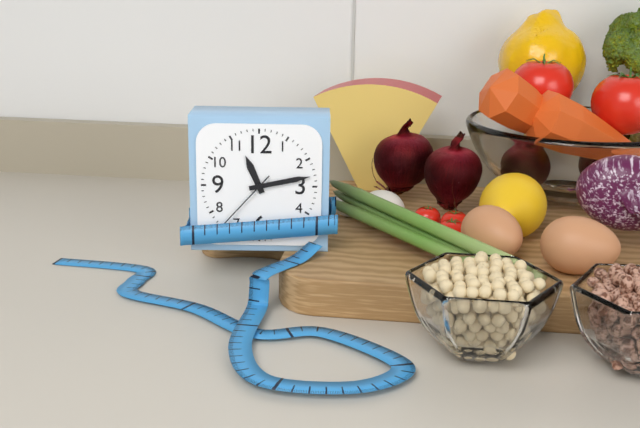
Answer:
11h13m37s
